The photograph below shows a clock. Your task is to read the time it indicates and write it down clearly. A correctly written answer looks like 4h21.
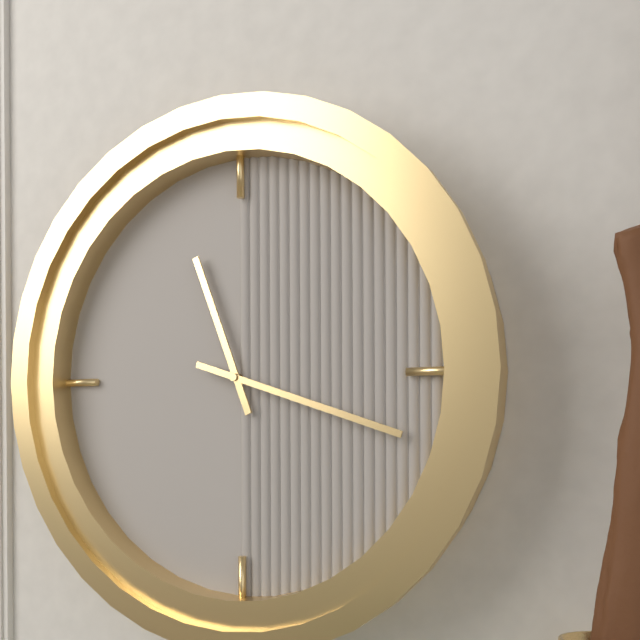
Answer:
11h18
